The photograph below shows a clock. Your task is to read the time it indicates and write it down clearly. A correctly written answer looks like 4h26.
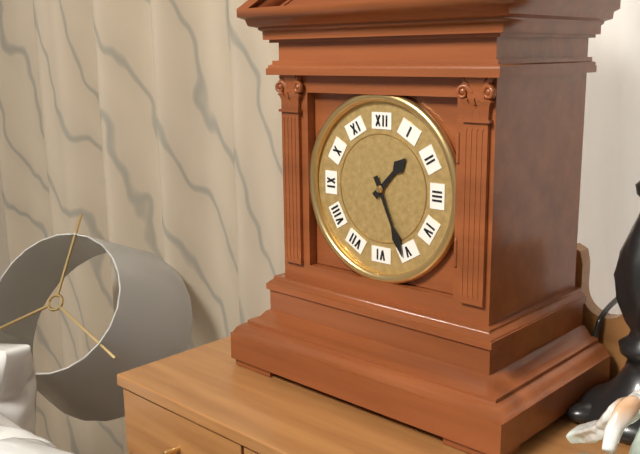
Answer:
1h26
